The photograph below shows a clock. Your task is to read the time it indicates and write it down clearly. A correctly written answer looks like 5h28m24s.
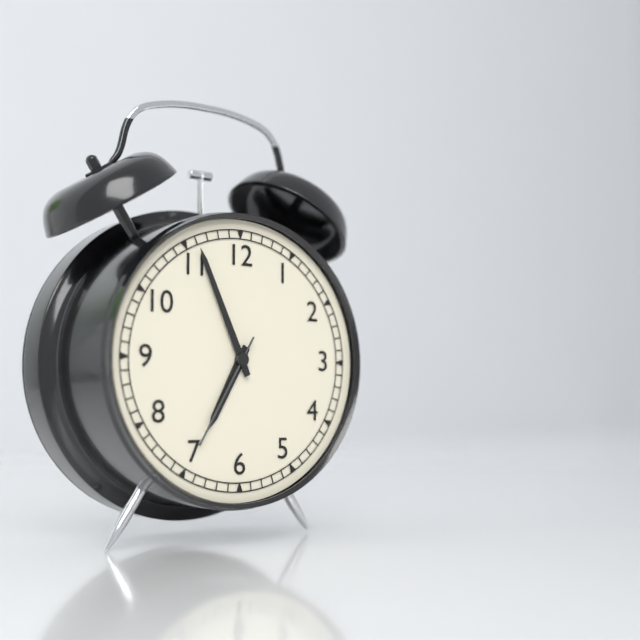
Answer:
6h56m35s
